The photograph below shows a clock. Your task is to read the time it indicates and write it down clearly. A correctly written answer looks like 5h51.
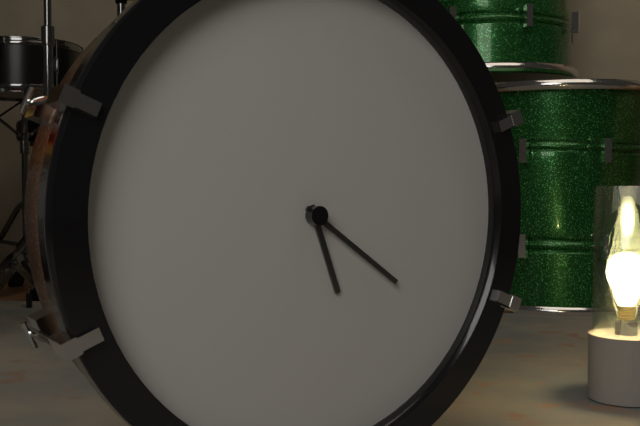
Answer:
5h21
